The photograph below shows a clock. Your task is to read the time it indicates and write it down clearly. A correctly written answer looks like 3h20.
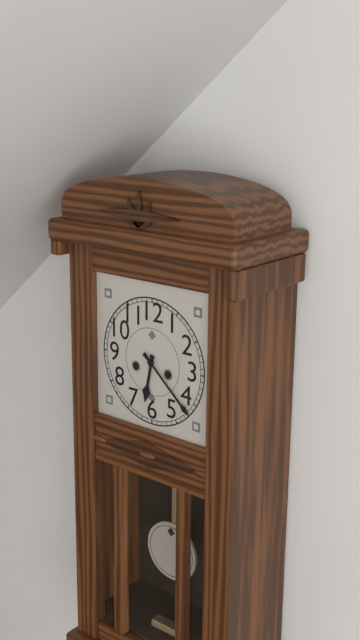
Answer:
6h22
